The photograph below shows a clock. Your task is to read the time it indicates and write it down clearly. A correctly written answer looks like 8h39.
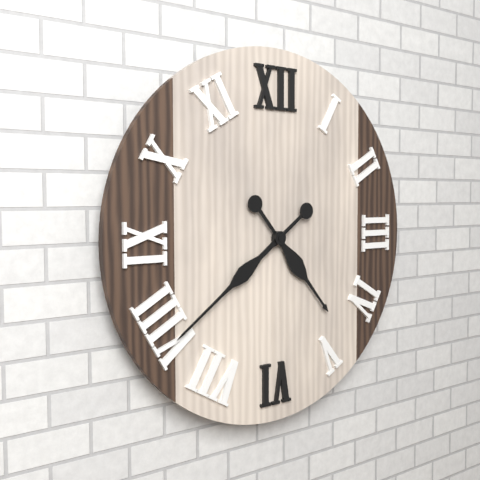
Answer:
4h39
